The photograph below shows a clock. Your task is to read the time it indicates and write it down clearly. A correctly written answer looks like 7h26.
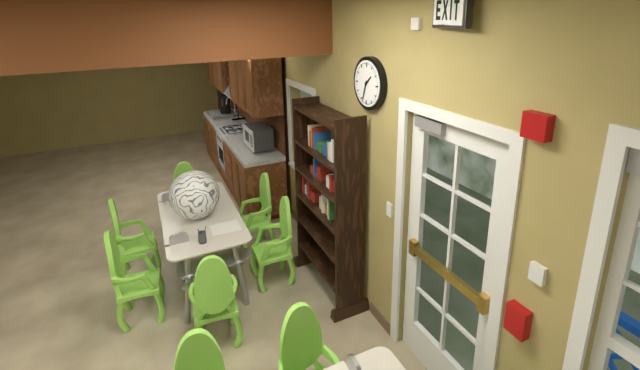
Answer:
1h33
